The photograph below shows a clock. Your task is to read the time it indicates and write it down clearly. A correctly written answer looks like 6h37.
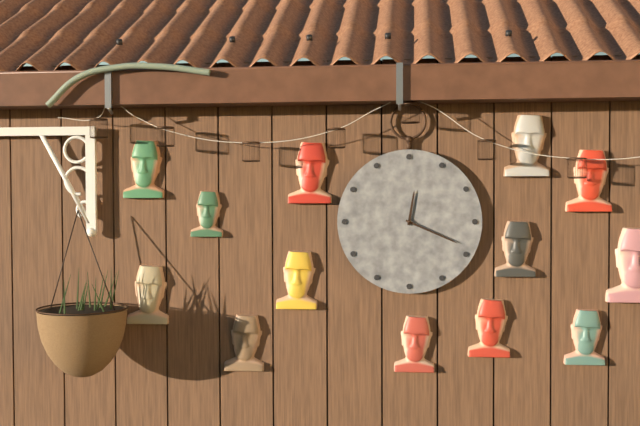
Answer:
12h19
